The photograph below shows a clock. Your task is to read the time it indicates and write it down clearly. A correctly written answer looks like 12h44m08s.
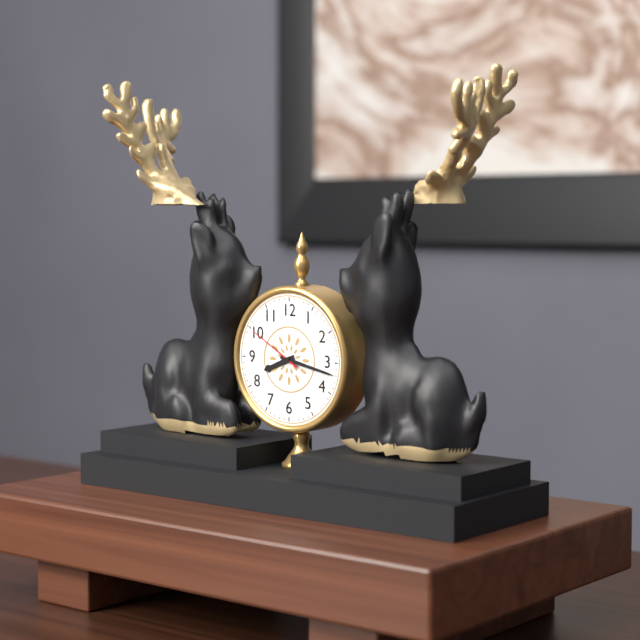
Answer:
8h17m50s
